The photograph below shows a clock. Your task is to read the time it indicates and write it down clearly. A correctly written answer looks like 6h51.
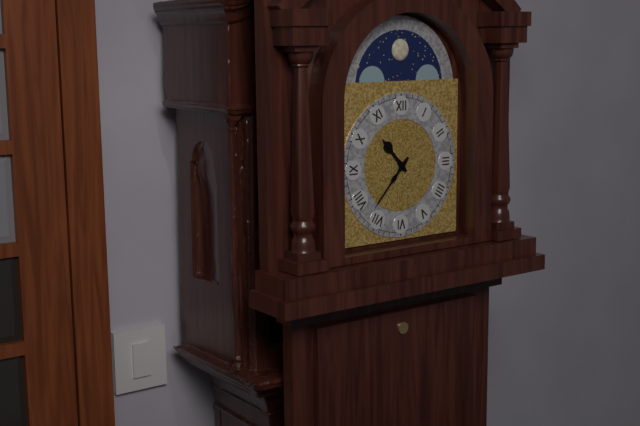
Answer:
10h37
